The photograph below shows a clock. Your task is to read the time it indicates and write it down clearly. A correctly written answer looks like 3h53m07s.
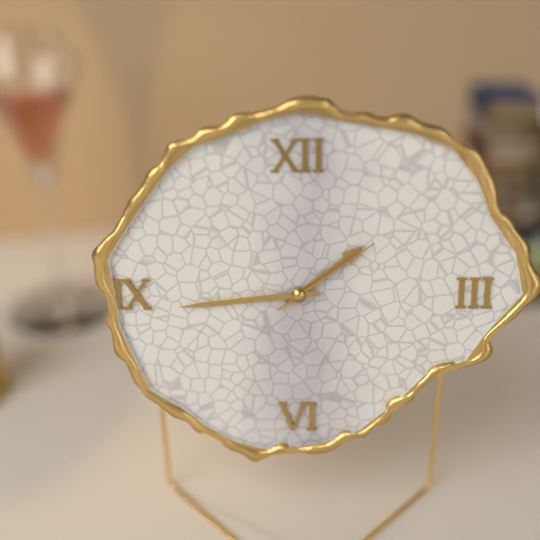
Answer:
1h44m09s
